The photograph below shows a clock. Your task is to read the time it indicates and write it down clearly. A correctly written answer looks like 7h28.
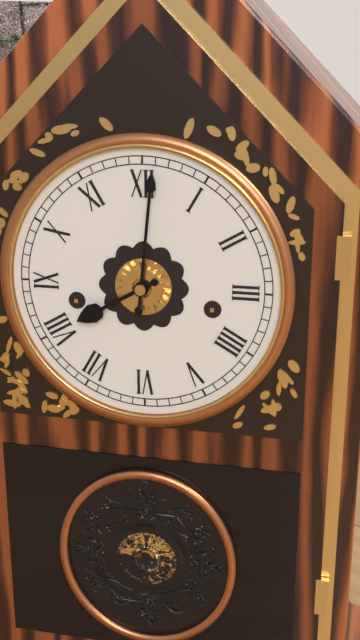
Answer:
8h01
